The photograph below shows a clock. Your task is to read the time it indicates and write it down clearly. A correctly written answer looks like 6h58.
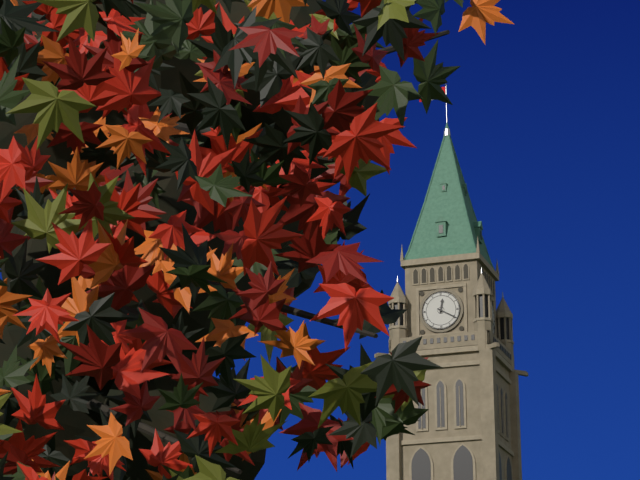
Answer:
12h20
